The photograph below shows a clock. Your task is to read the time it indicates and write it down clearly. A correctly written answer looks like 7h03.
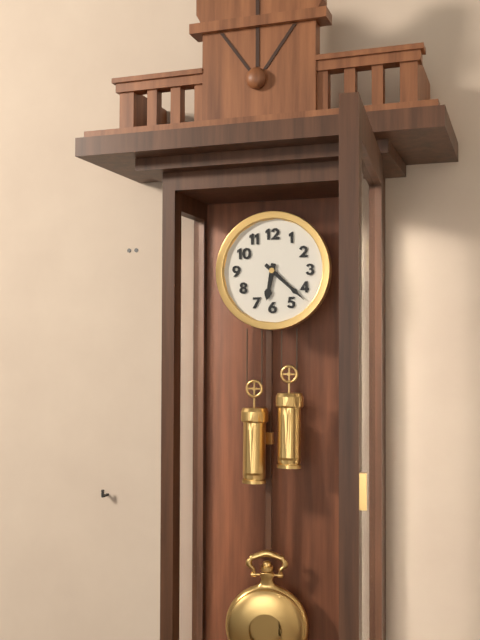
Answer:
6h22
